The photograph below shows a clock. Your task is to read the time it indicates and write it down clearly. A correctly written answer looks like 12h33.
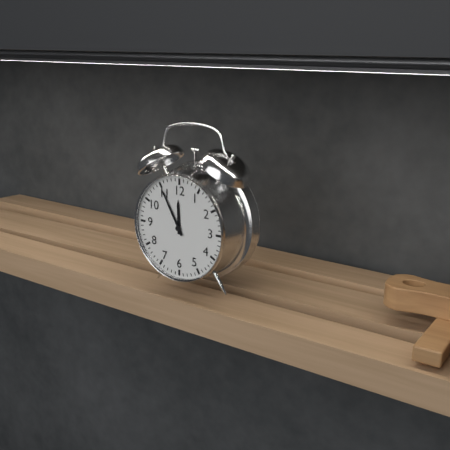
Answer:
11h55
